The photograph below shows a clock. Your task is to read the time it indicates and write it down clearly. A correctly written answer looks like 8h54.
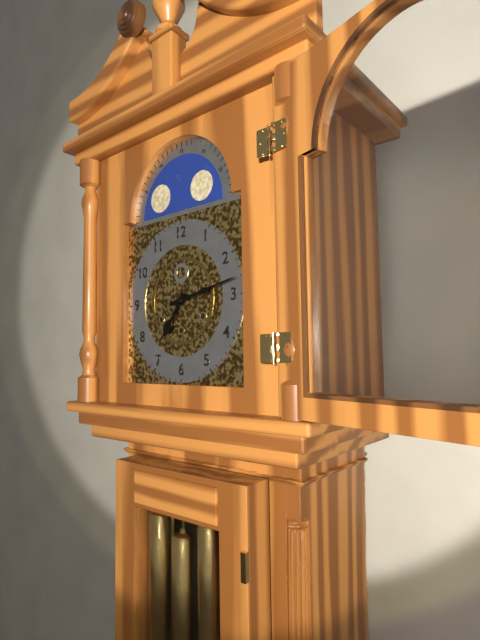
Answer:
7h13
